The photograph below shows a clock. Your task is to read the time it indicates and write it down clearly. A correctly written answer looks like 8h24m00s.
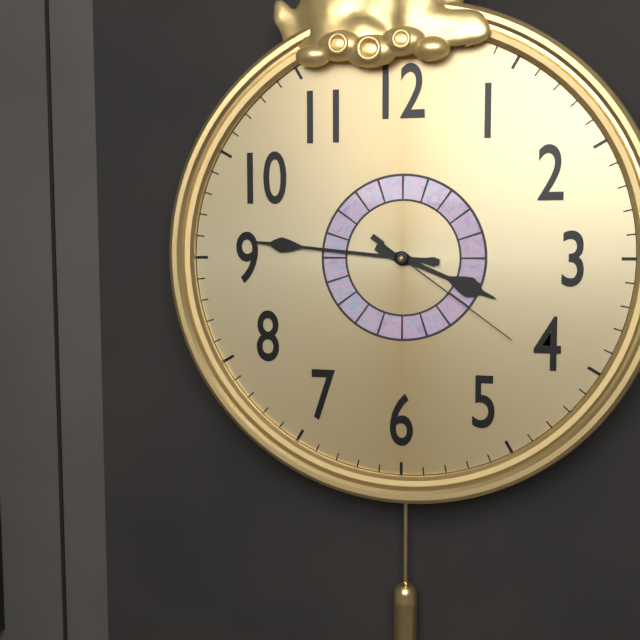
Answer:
3h46m21s
